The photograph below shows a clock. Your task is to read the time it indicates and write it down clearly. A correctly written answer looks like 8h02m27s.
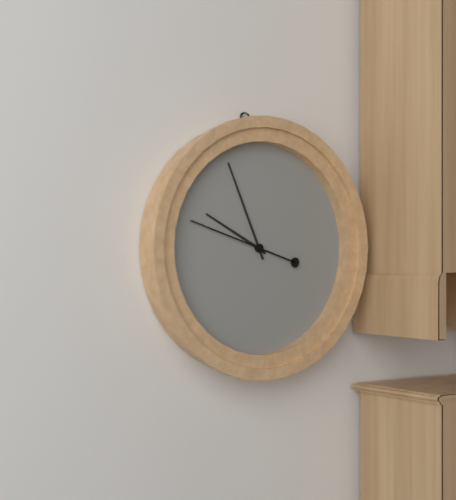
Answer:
9h56m48s
